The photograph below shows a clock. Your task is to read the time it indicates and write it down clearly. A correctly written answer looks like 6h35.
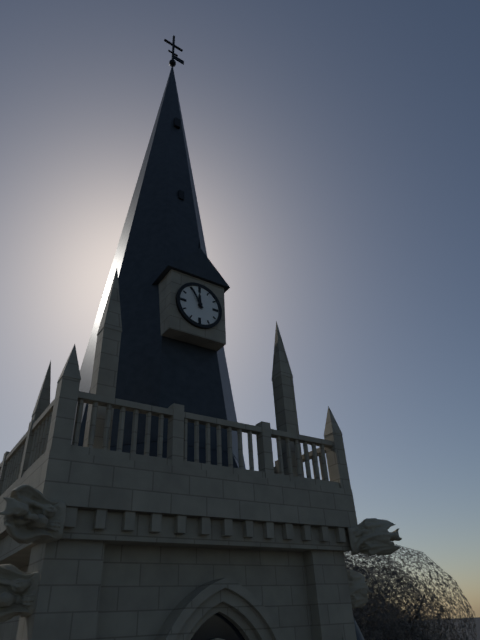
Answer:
11h55
